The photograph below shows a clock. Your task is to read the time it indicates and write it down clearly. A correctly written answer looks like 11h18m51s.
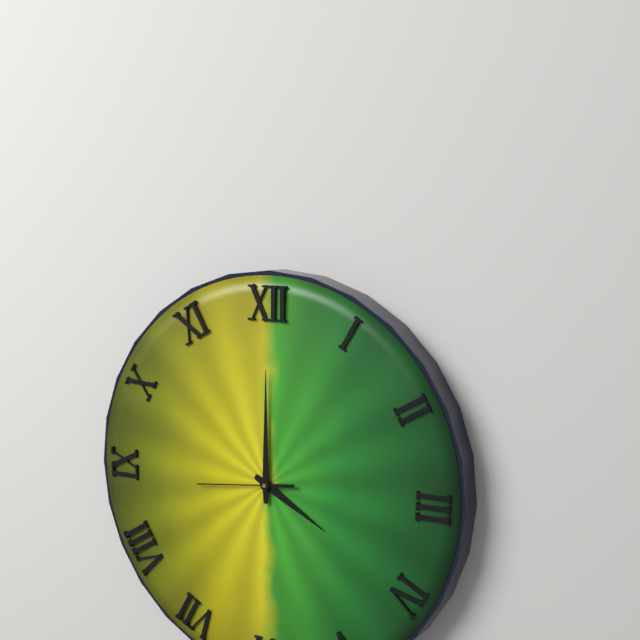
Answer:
4h00m44s
